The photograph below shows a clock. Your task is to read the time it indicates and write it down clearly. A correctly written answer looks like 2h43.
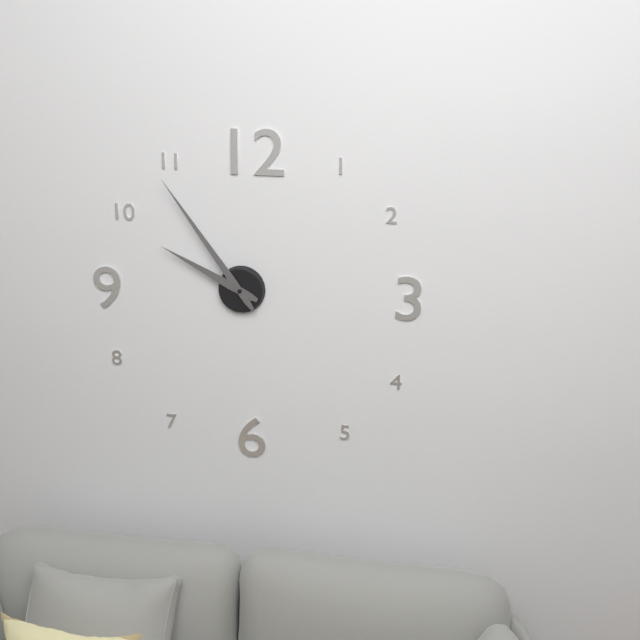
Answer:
9h54
